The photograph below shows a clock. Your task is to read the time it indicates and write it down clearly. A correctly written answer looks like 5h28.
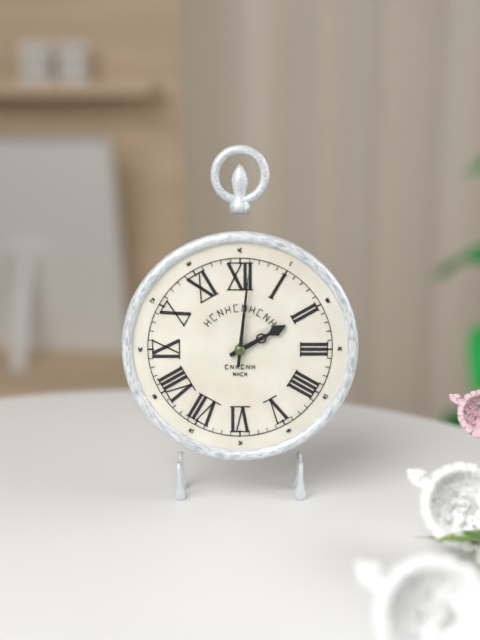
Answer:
2h01
